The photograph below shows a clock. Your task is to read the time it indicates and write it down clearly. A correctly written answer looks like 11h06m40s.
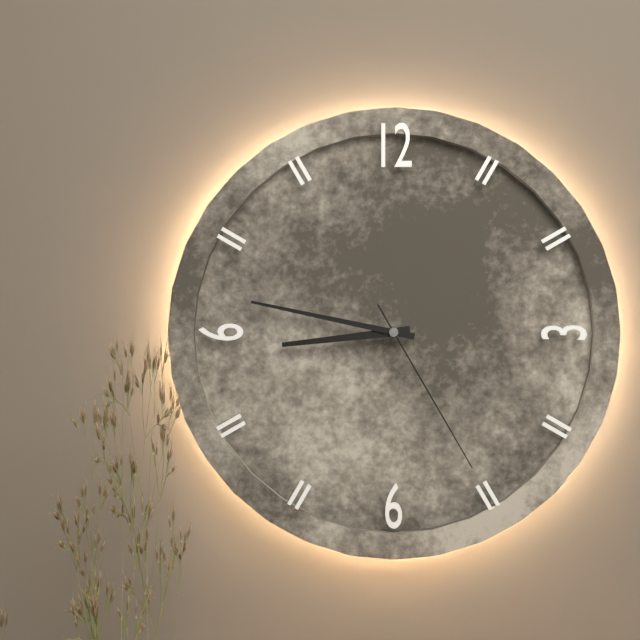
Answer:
8h47m25s
